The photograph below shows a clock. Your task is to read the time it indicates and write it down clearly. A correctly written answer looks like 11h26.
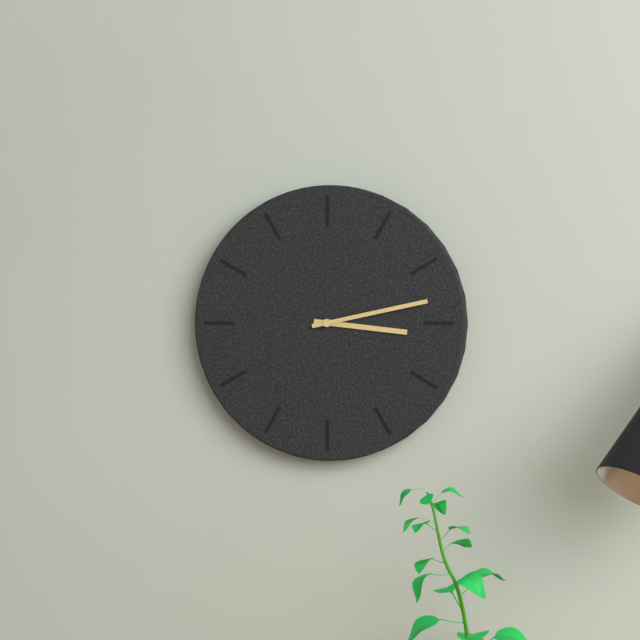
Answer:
3h13
